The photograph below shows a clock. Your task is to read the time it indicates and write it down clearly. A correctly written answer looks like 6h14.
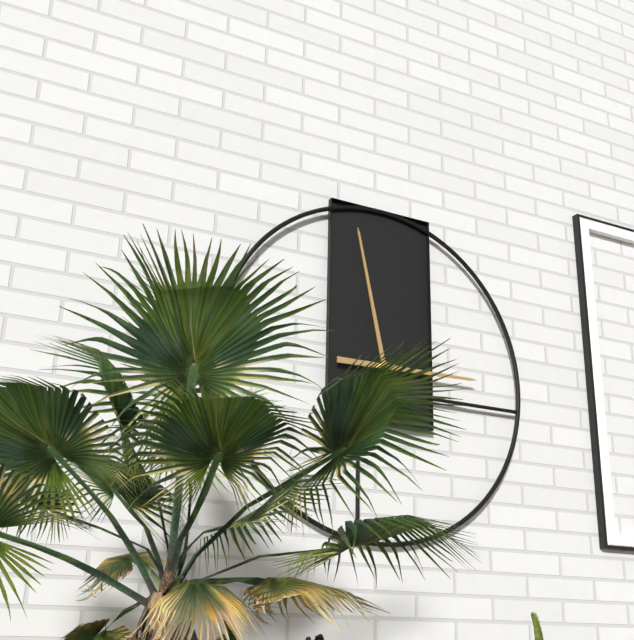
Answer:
2h58
